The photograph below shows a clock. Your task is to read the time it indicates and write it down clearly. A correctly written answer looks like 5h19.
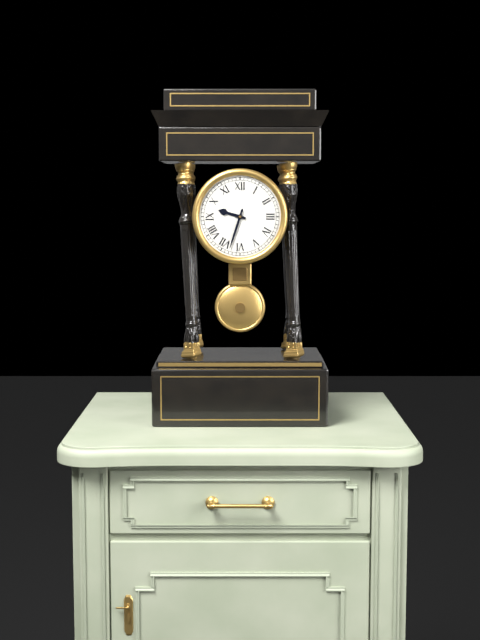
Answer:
9h33
